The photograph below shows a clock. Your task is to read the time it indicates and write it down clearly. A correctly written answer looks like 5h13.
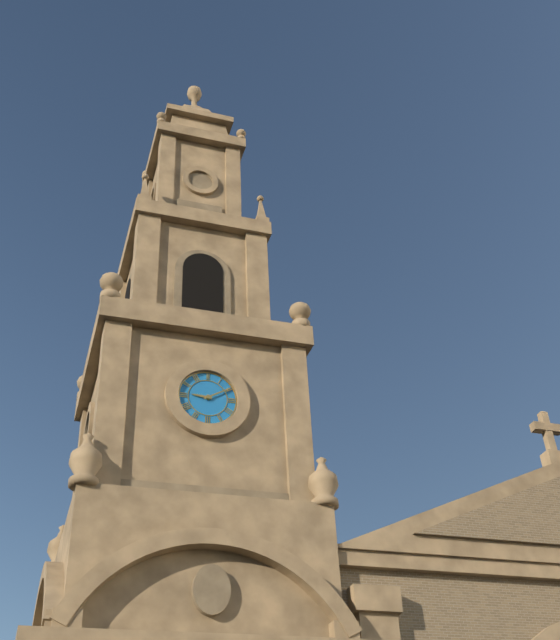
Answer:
9h10
